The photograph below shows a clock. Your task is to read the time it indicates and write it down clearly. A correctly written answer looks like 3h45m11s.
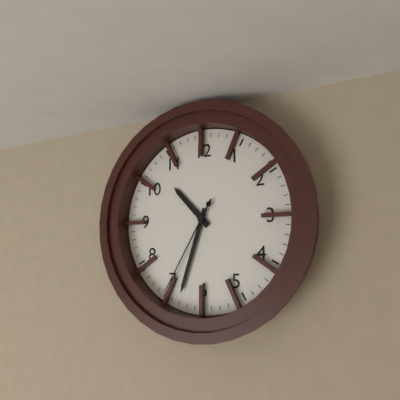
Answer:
10h33m35s
